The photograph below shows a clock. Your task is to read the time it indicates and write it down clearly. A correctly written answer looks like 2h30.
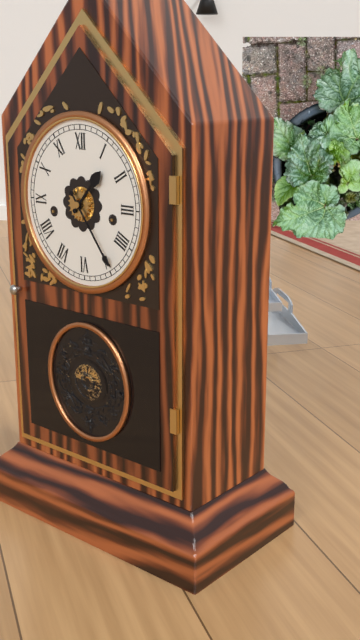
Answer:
1h24
